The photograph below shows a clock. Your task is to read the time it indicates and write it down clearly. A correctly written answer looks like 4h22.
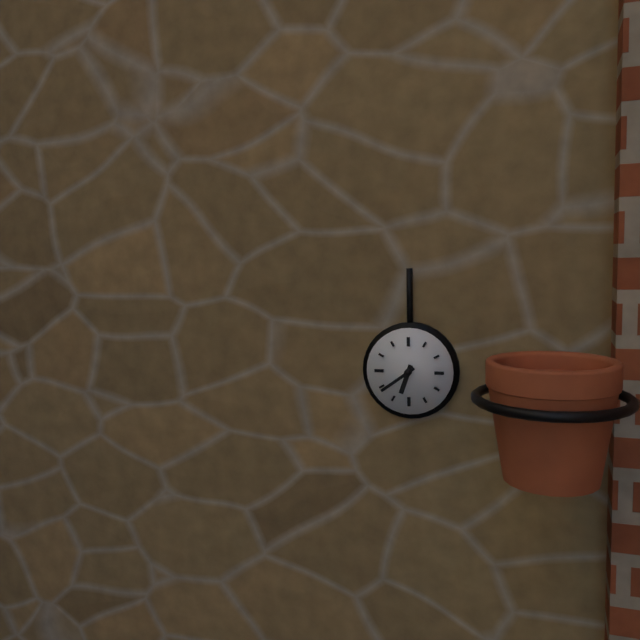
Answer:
6h39
